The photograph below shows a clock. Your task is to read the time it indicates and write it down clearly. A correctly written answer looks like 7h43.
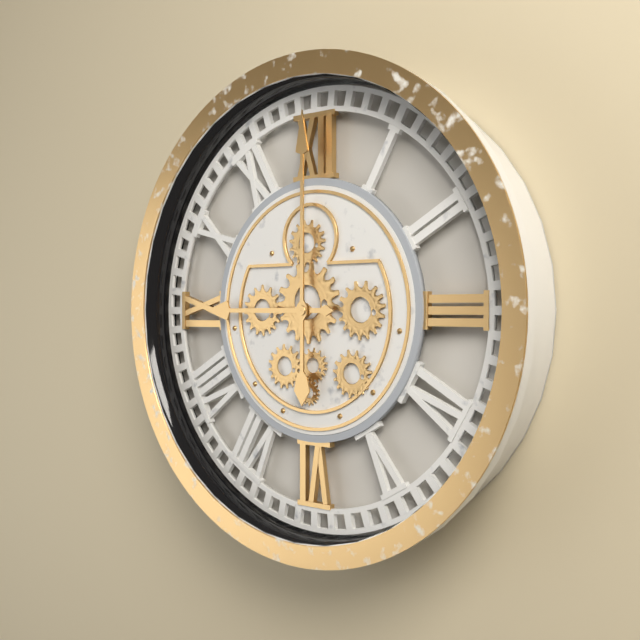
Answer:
9h00
